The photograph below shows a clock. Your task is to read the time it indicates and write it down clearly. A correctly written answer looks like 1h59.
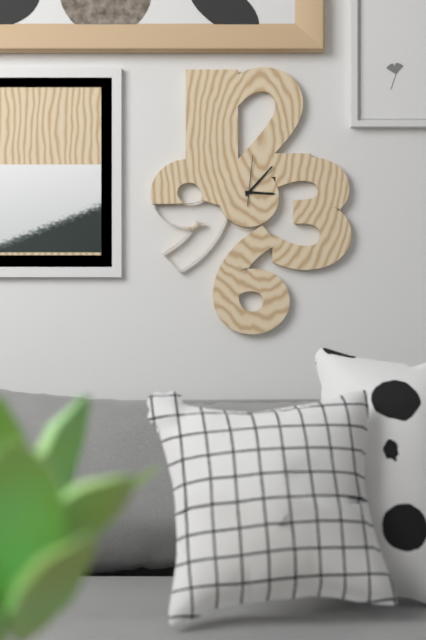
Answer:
3h07
